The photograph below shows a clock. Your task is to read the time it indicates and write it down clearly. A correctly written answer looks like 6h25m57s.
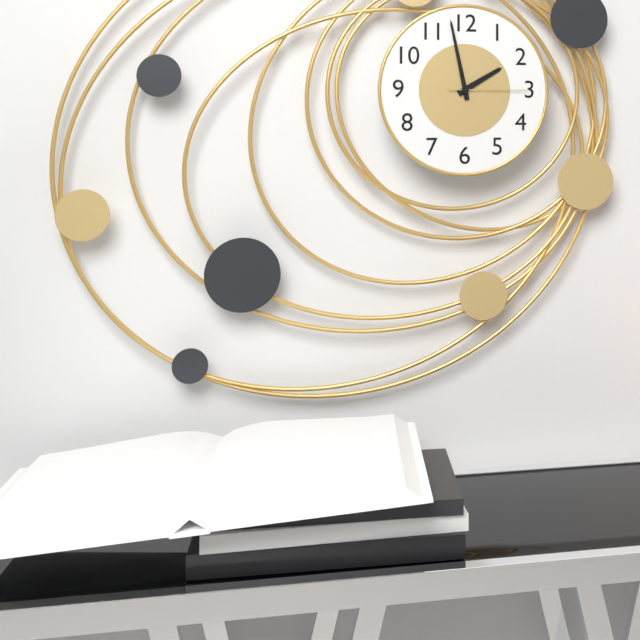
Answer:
1h58m15s
